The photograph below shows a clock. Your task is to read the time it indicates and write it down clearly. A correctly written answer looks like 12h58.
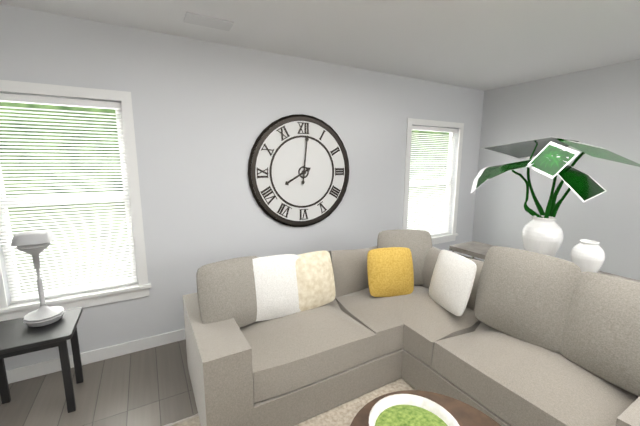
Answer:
8h01
